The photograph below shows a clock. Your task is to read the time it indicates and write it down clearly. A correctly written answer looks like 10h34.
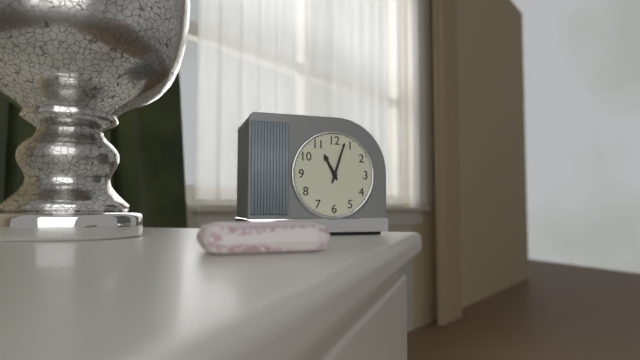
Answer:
11h03
